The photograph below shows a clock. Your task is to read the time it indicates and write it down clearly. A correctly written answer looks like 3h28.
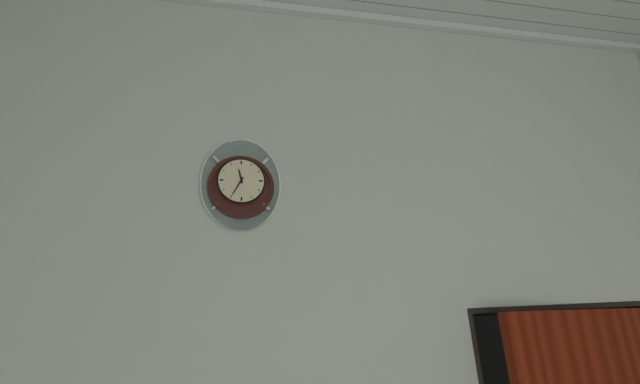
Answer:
11h35
